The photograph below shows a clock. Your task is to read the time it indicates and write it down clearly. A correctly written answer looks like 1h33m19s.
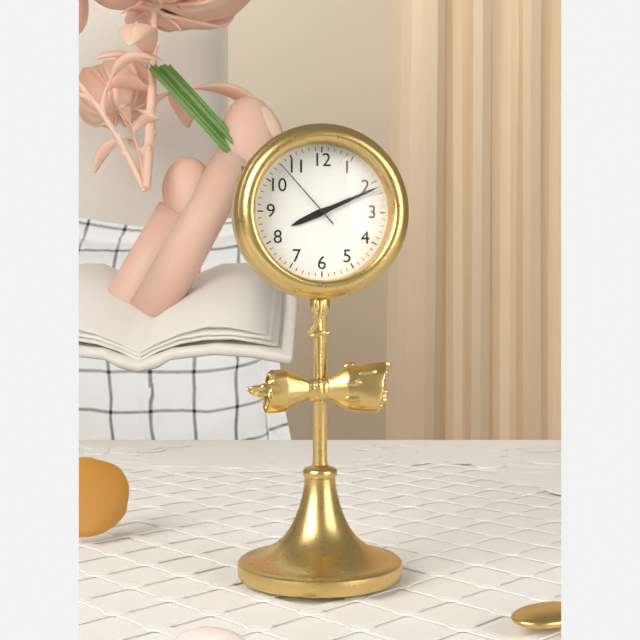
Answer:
8h11m53s
